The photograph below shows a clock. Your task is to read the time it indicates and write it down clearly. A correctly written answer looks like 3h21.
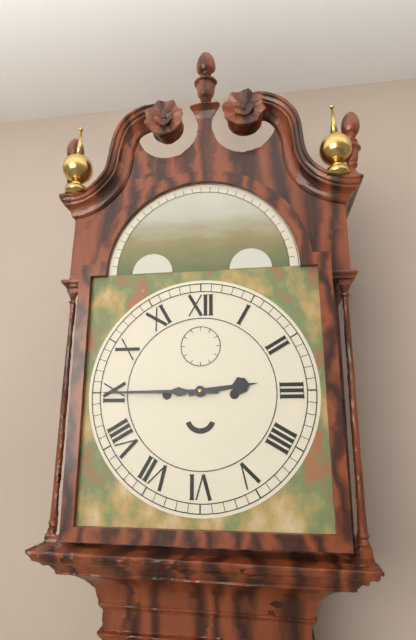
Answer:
2h45
